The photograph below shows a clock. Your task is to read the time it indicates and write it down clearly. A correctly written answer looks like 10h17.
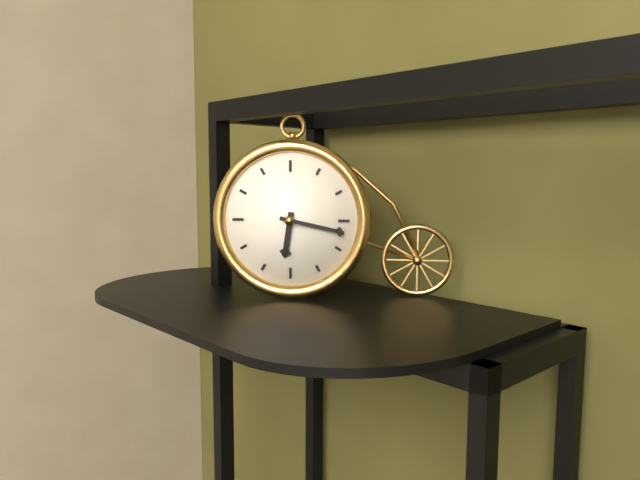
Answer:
6h17
